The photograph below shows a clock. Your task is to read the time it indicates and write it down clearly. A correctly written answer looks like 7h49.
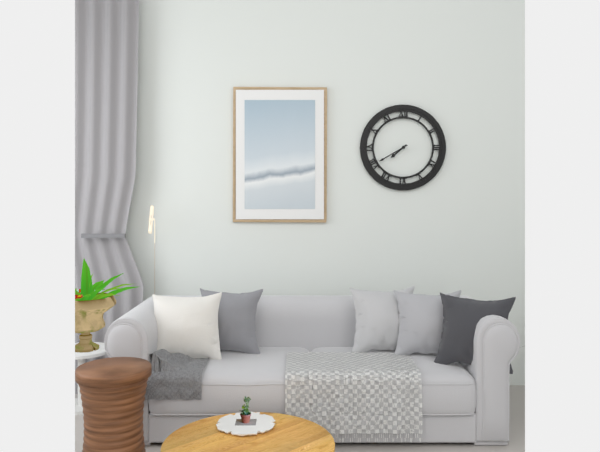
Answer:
7h40
